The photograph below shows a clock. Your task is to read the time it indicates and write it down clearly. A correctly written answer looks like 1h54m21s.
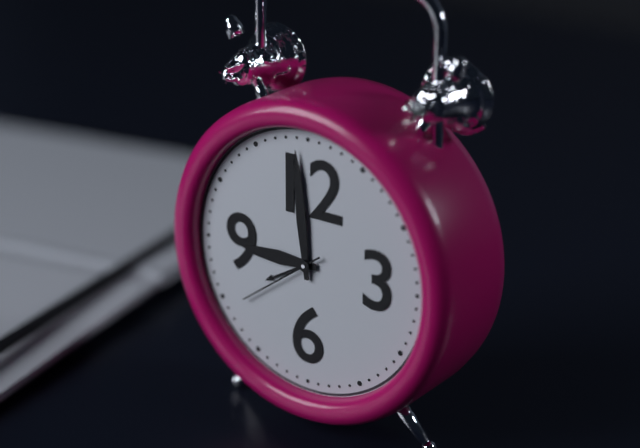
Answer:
8h59m39s
